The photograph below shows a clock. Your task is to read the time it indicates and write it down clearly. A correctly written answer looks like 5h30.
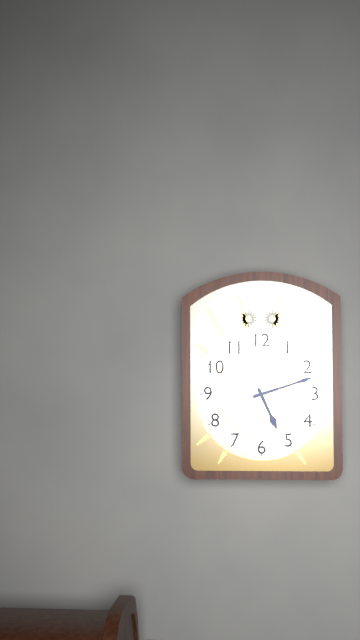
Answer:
5h12
